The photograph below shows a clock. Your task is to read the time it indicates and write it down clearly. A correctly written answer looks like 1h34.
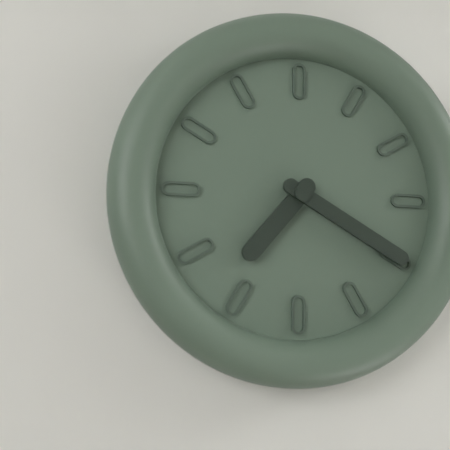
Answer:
7h20
